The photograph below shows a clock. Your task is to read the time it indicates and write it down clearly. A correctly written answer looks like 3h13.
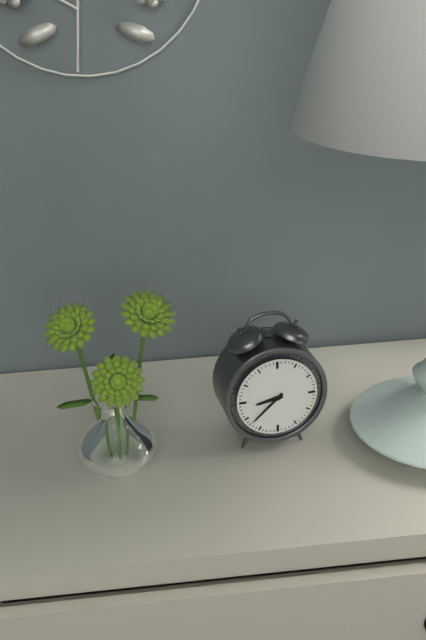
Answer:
8h38
